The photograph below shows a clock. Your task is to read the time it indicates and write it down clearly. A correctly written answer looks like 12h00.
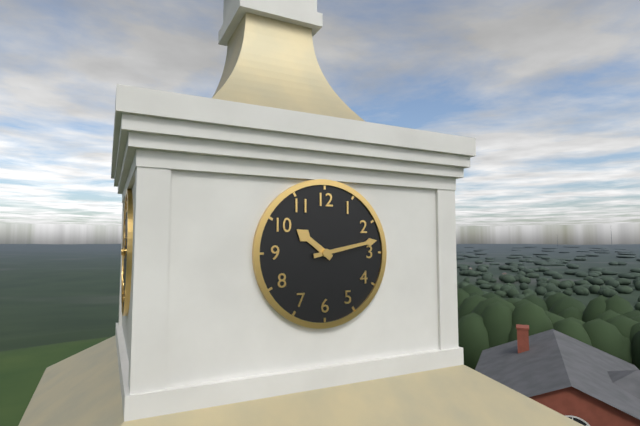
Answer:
10h13
